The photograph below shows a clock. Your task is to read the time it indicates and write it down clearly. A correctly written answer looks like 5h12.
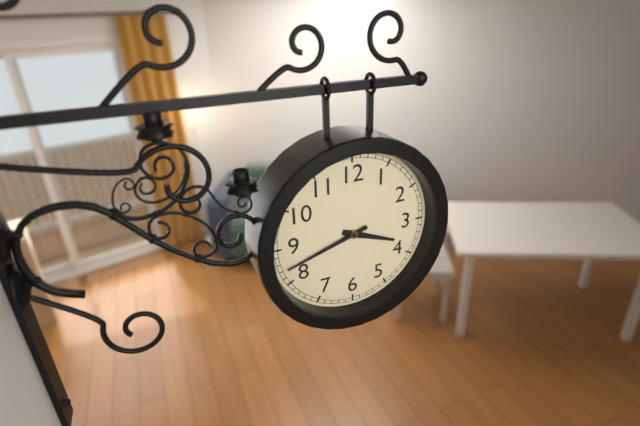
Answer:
3h42
